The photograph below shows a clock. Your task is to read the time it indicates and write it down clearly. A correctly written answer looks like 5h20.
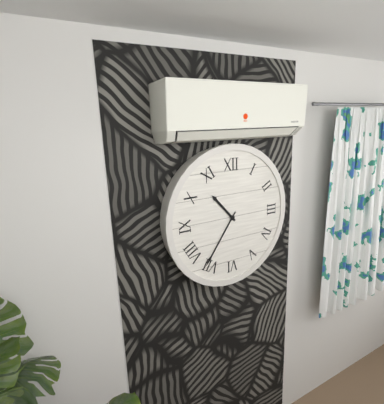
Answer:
10h36
